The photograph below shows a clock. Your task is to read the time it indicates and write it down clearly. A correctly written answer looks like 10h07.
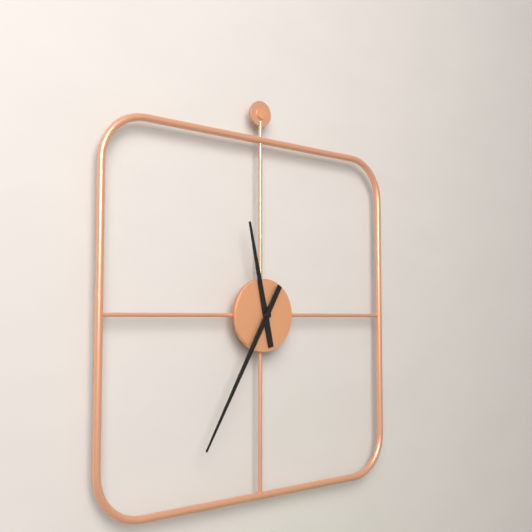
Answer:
11h35
